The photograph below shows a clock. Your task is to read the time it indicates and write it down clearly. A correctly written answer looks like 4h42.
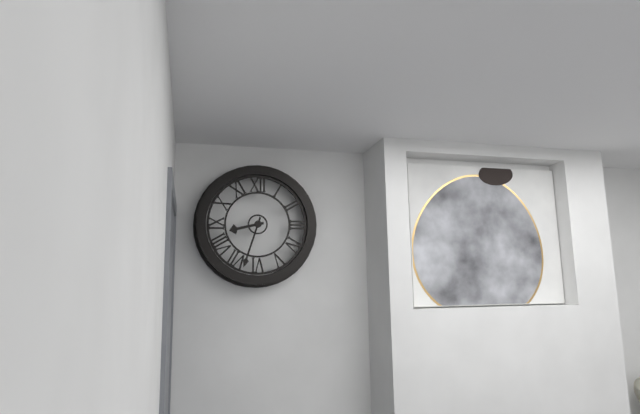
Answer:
8h33
